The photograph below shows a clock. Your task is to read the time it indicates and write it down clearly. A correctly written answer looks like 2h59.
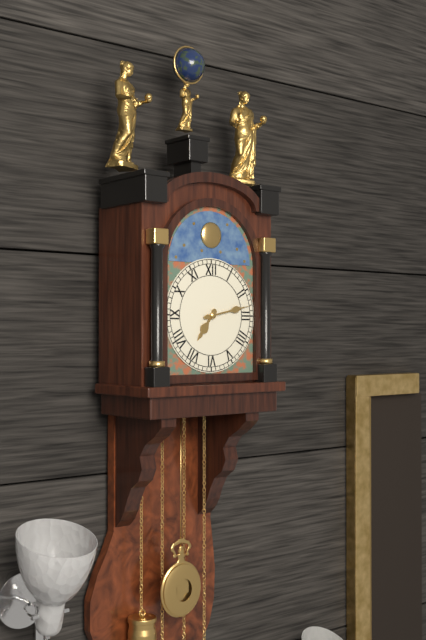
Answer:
7h13
